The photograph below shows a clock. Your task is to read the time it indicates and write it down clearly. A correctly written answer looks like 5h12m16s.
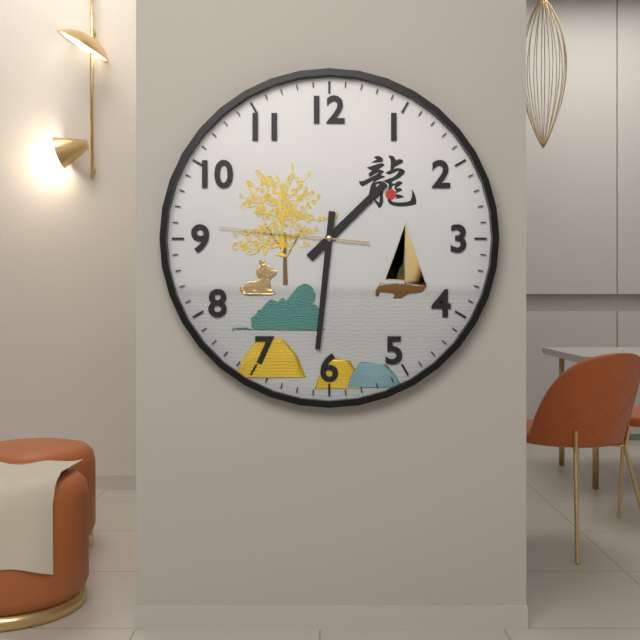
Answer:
1h31m46s
